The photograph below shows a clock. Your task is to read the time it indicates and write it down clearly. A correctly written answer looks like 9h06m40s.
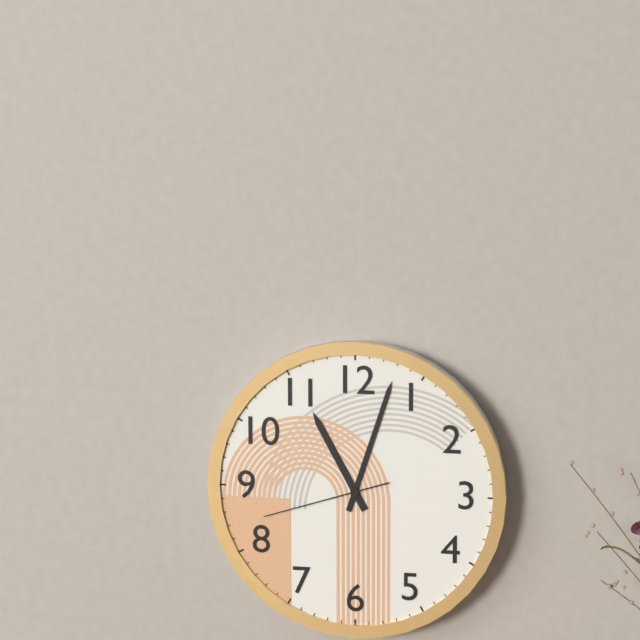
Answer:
11h03m42s
